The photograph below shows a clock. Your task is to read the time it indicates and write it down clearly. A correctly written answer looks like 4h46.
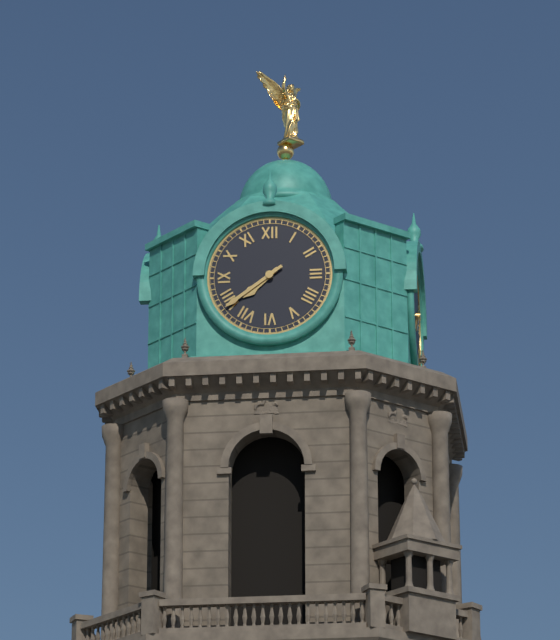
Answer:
7h39
